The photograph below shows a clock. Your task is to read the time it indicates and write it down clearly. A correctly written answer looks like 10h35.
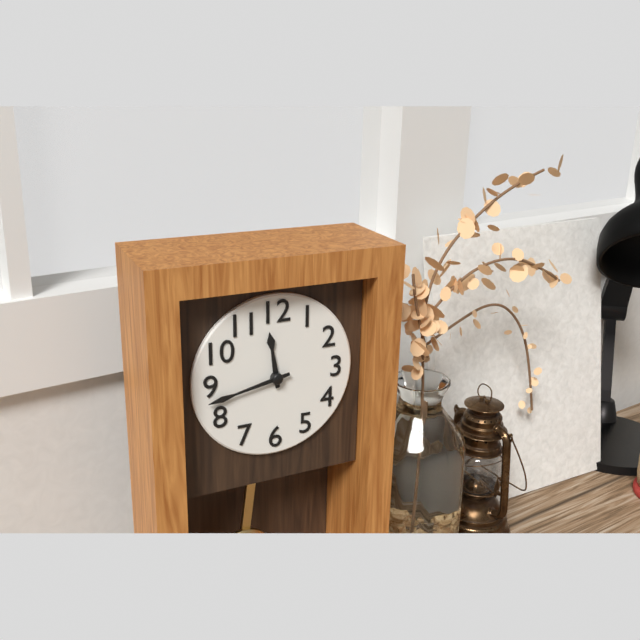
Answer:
11h43
